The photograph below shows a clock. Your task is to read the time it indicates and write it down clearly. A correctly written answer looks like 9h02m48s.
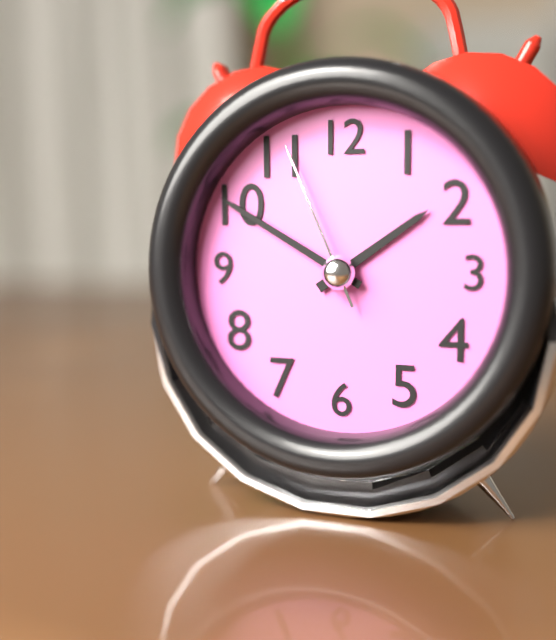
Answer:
1h50m56s
